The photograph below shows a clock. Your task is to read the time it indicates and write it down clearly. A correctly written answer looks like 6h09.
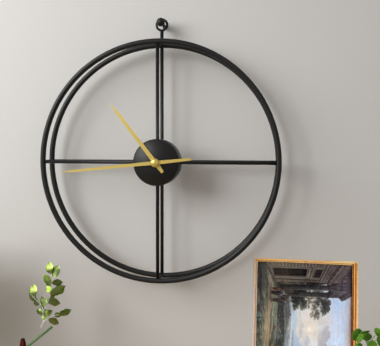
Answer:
10h44
